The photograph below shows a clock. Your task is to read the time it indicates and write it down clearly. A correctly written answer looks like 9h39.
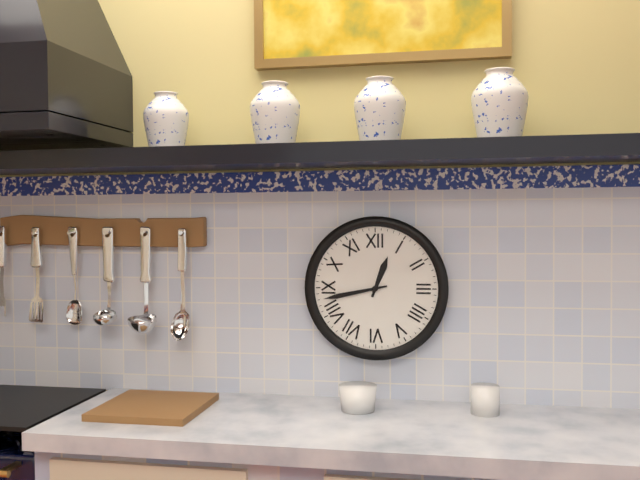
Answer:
12h43
